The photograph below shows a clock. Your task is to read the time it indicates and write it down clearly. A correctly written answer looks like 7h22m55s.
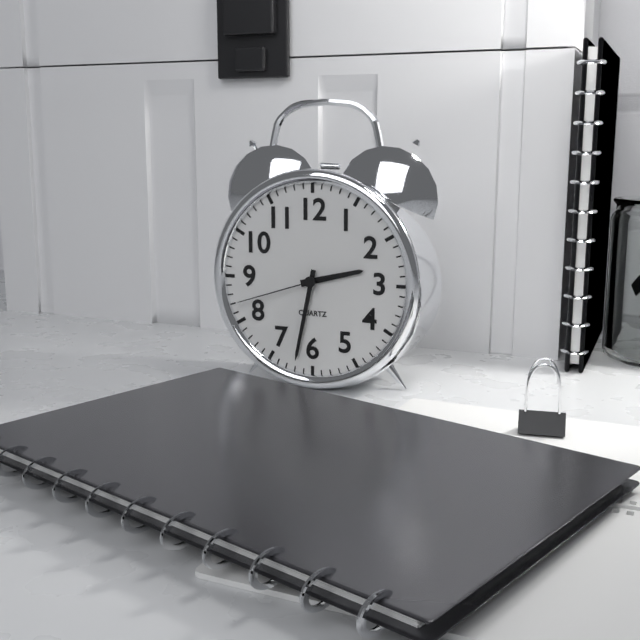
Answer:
2h32m42s
